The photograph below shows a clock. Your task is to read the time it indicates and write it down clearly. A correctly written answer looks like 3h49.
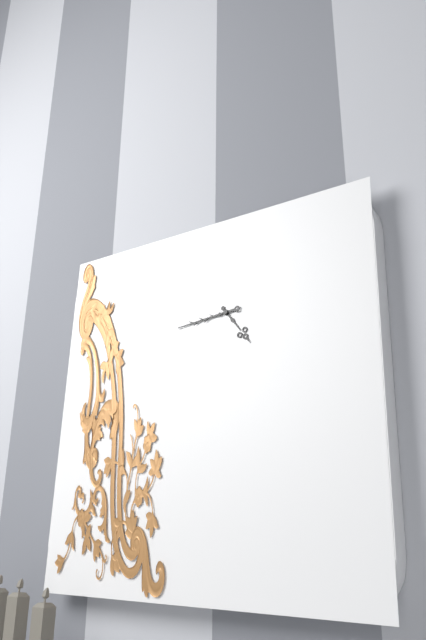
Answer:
4h44
